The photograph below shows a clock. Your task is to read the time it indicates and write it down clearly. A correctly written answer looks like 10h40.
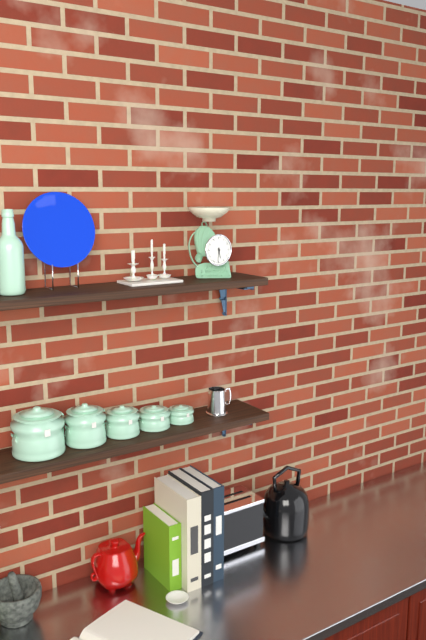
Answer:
5h31
